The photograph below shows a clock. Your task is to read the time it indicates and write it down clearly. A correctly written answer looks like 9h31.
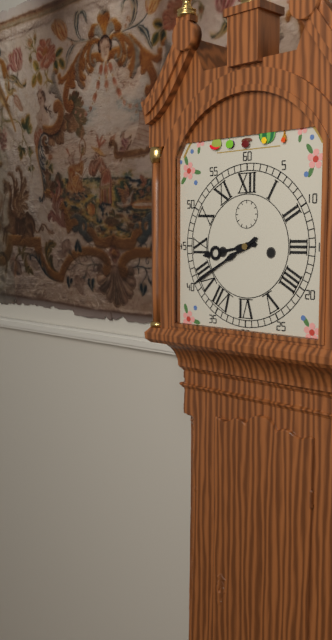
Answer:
8h40
